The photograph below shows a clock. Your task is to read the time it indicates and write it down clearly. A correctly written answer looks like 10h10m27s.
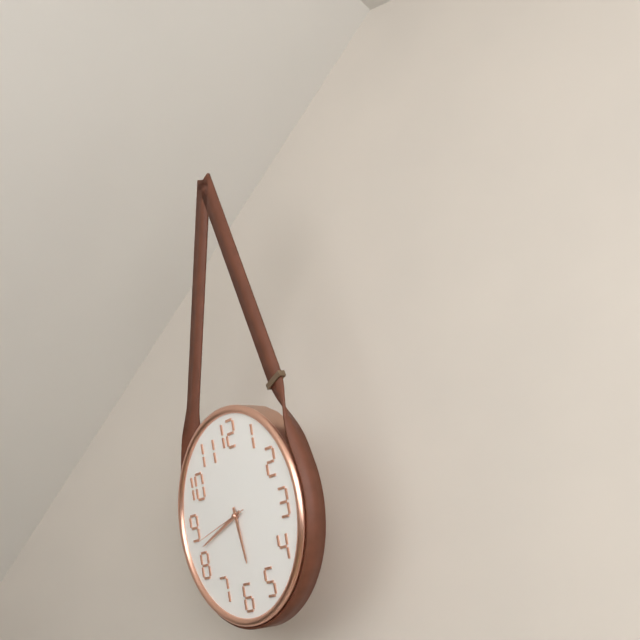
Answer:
5h42m43s
